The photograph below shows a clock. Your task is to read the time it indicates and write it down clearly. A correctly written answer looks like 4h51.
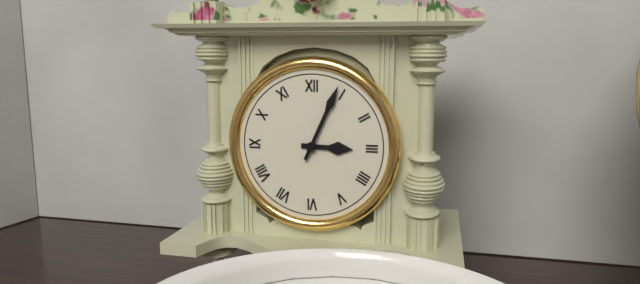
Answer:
3h04
